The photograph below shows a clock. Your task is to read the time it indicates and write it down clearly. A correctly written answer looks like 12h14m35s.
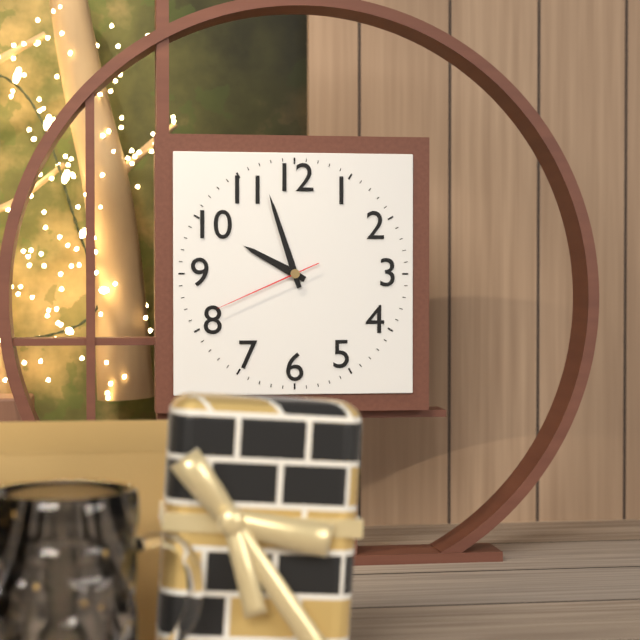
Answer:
9h57m41s
